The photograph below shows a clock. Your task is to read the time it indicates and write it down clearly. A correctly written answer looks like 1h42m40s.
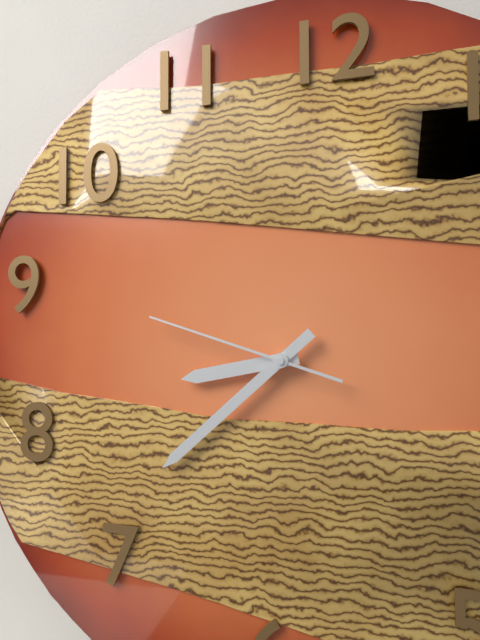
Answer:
8h38m48s
